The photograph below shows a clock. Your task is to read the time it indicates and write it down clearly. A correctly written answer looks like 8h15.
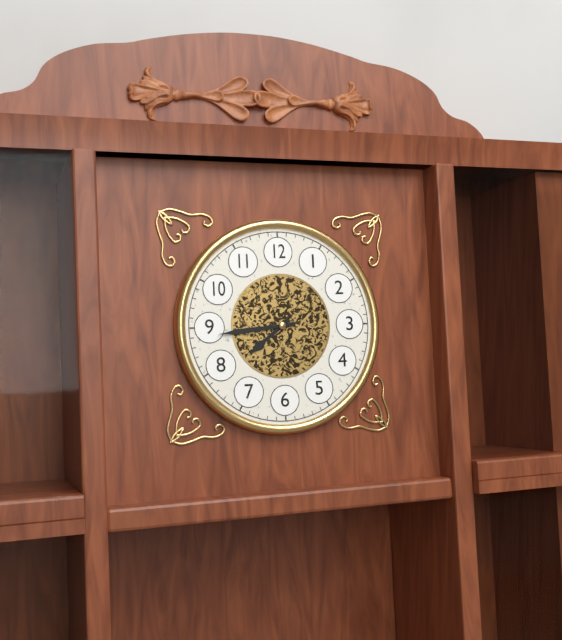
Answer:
7h44
